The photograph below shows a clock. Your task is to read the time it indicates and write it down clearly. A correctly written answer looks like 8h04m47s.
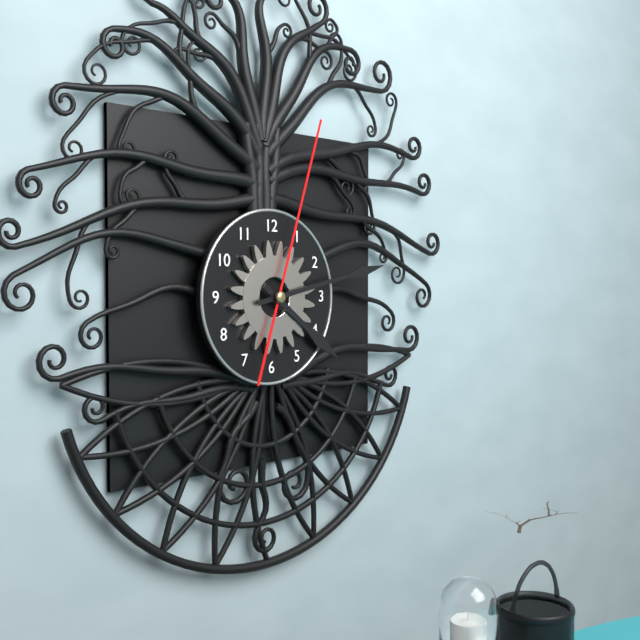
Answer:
4h13m03s
